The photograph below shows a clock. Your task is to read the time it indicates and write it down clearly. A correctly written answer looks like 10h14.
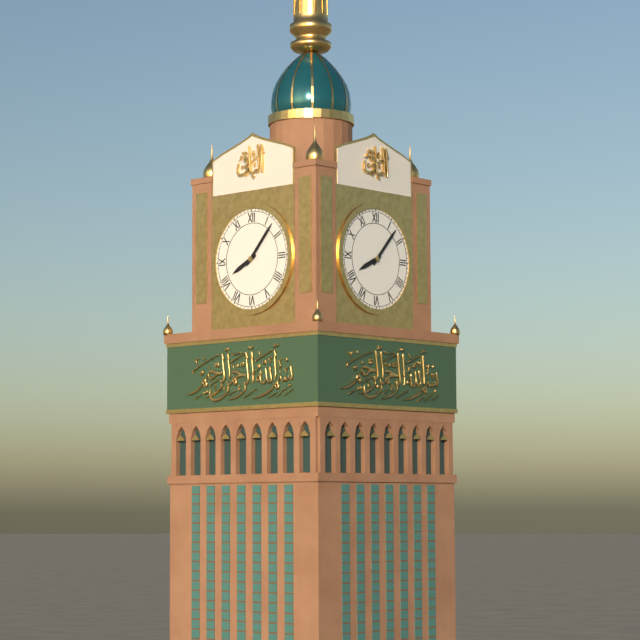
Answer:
8h07
